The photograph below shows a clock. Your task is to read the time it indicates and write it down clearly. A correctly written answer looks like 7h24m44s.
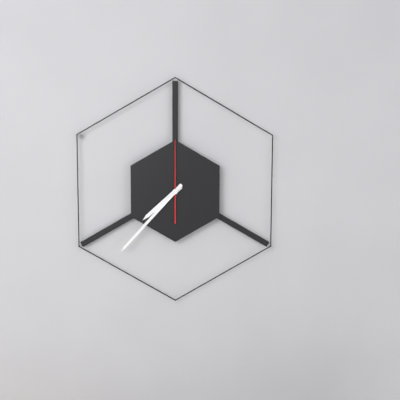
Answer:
7h37m00s
